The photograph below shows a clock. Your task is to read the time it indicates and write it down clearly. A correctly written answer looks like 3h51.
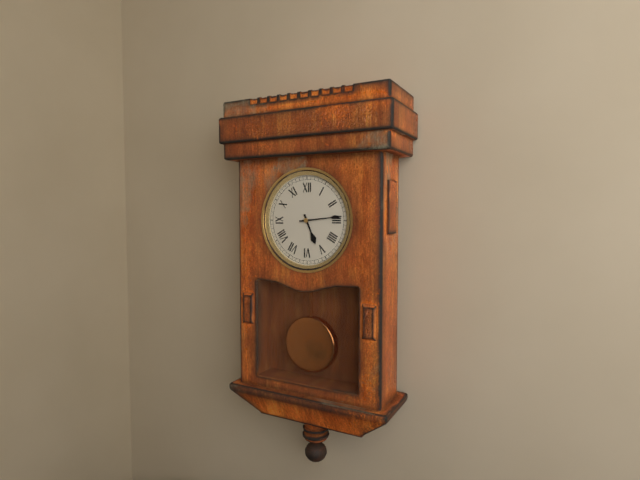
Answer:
5h14
